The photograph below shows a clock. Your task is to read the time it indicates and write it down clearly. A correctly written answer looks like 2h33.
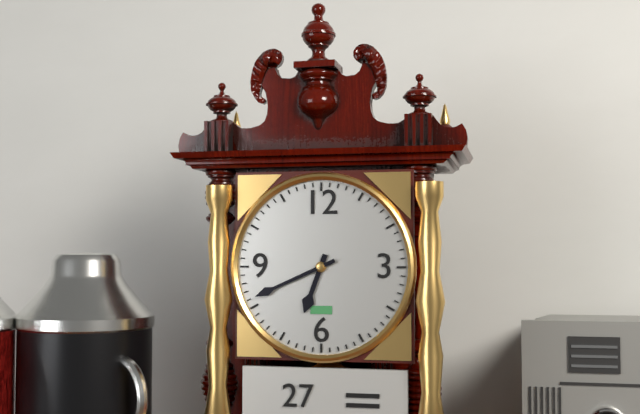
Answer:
6h41
